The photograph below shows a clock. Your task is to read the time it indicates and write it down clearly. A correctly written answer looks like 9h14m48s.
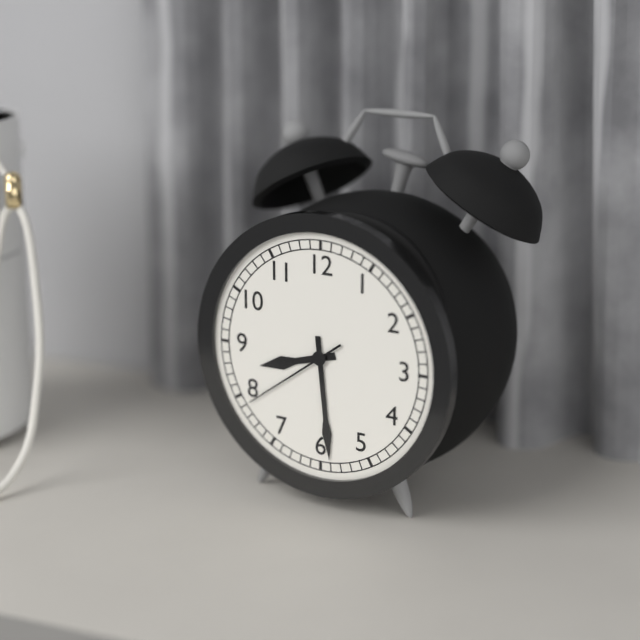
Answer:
8h29m39s
